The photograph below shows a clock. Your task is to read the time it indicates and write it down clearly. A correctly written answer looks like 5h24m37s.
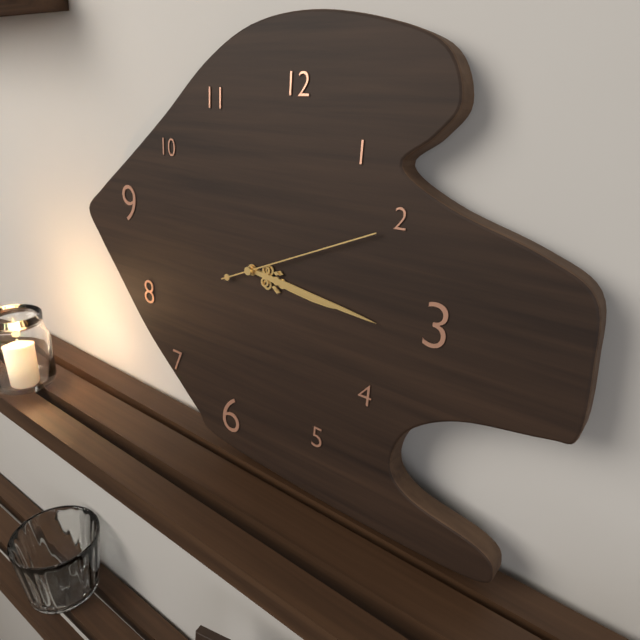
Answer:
3h16m11s
